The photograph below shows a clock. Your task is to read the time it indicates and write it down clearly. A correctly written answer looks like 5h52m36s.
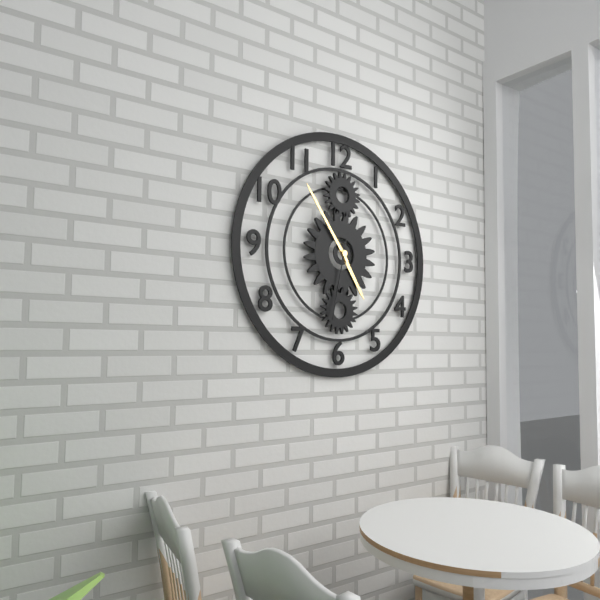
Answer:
4h54m32s
